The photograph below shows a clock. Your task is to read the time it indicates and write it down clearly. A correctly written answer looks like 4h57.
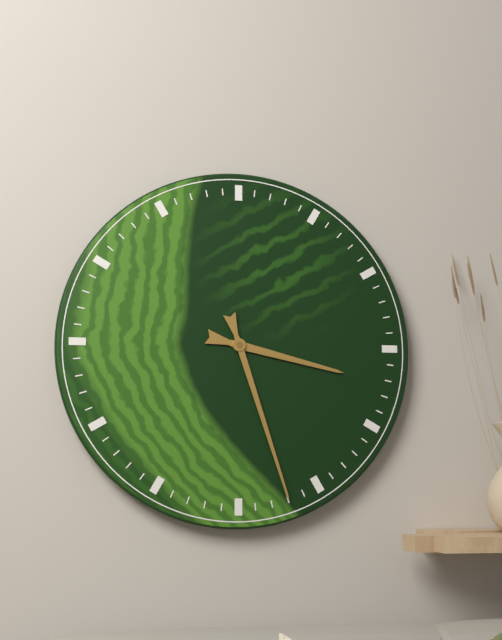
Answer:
3h27
